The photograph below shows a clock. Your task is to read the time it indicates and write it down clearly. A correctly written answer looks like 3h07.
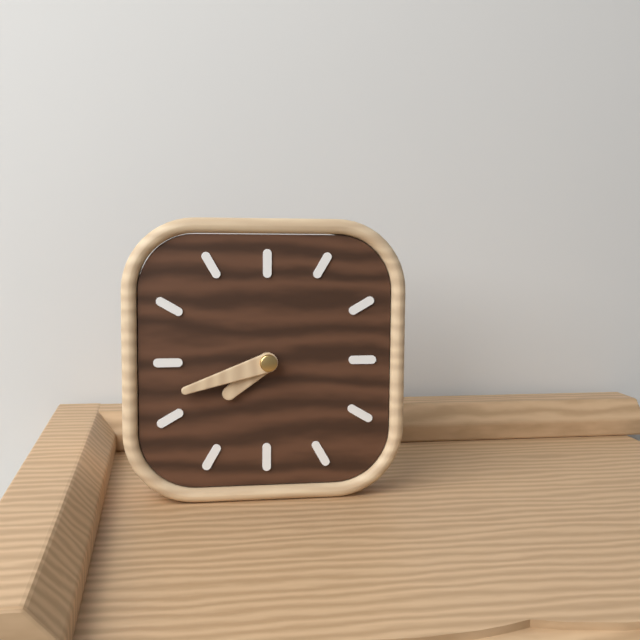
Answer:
7h42
